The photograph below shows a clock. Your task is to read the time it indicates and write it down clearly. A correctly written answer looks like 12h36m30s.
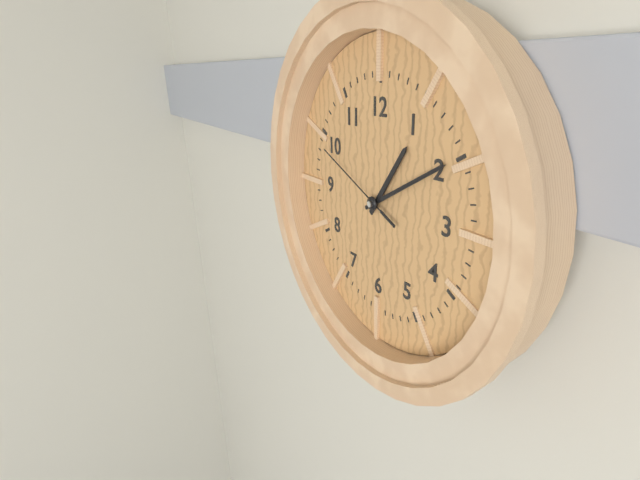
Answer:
1h10m49s
